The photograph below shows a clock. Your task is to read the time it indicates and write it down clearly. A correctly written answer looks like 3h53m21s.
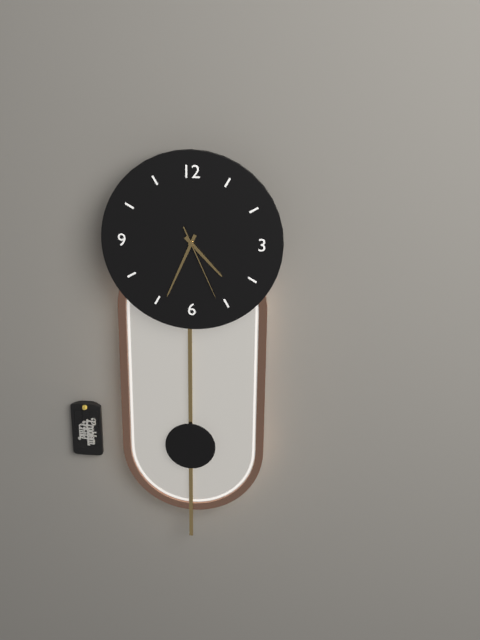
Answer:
4h34m26s
